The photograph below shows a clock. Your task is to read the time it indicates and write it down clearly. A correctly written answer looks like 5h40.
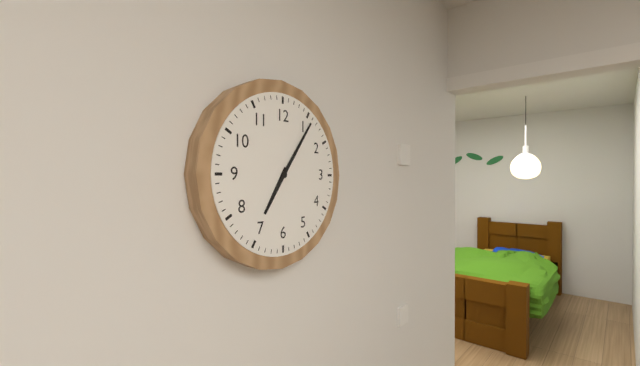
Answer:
7h06
